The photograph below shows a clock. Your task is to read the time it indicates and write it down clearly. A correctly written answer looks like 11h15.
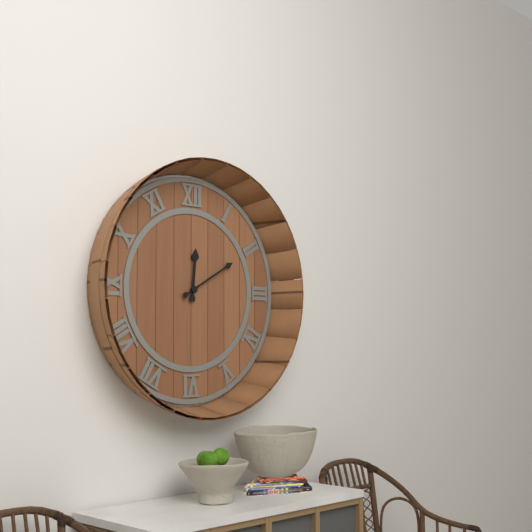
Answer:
12h10
